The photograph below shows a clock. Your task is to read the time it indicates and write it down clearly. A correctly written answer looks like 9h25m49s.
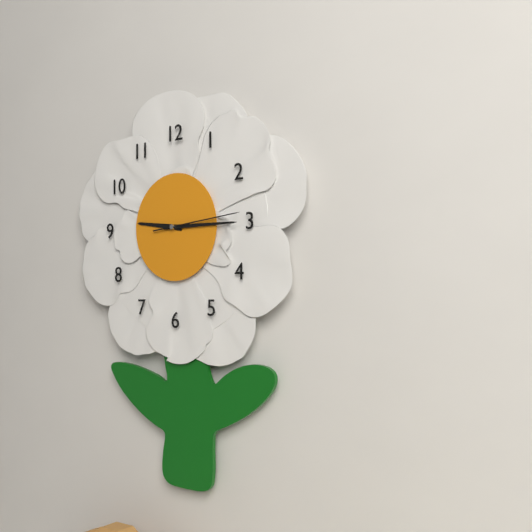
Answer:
9h15m14s
